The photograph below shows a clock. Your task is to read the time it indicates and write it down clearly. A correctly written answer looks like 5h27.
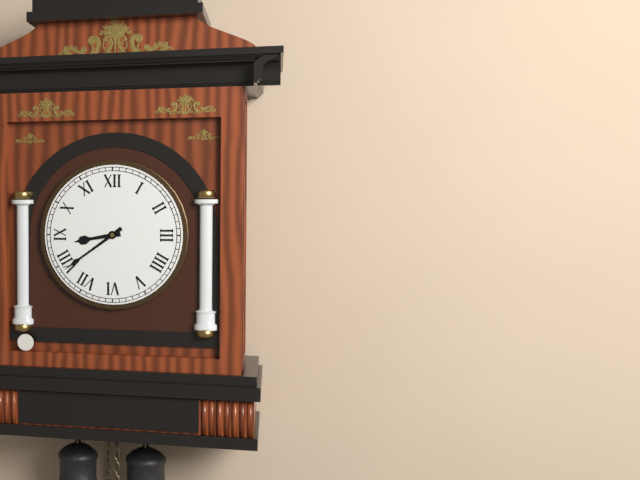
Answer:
8h39
